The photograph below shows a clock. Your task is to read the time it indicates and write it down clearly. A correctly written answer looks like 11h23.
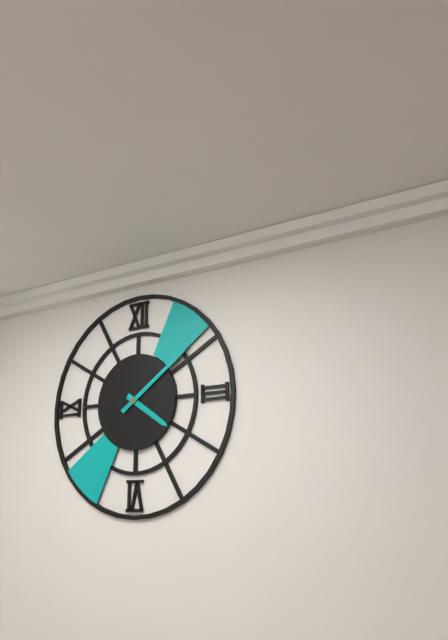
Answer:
4h09
